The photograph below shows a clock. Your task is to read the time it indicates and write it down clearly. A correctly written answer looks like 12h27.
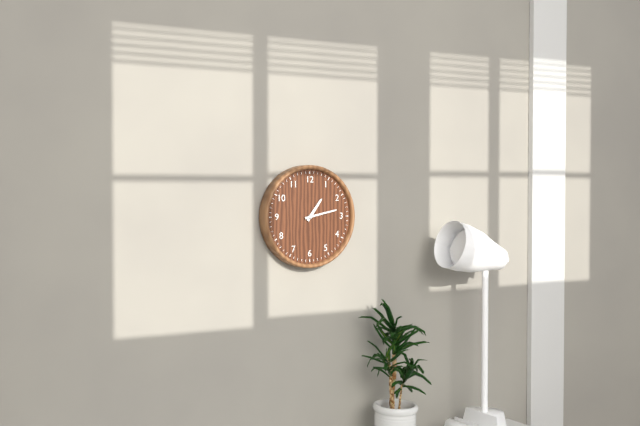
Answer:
1h13
